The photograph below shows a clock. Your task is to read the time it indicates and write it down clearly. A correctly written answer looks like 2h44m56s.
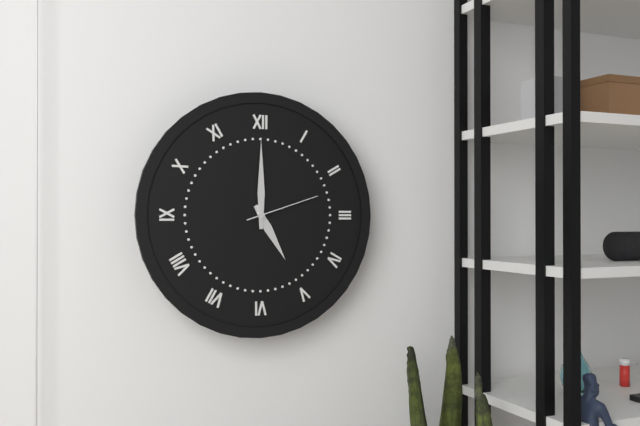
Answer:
5h00m12s
